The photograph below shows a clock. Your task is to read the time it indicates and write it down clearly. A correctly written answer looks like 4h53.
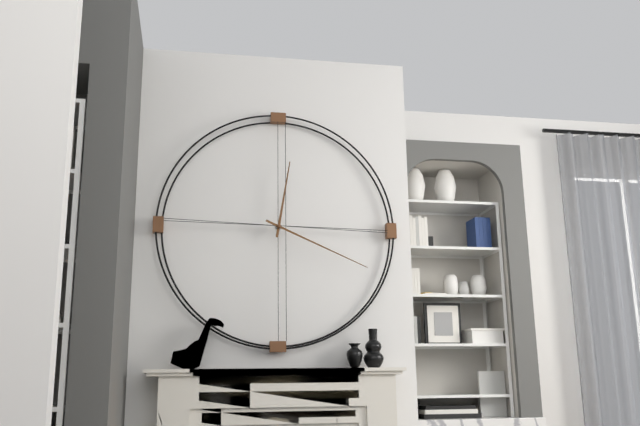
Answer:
12h19
